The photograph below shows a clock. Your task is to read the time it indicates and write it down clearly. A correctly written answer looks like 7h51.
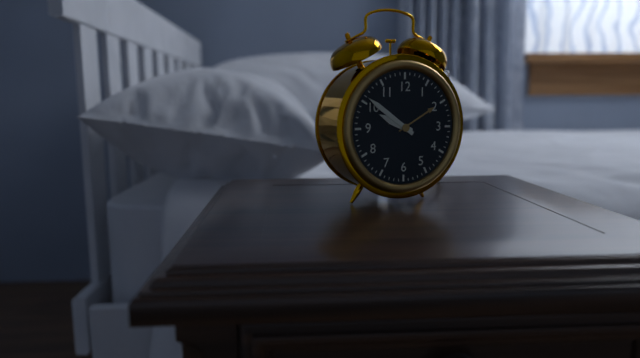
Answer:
9h51
